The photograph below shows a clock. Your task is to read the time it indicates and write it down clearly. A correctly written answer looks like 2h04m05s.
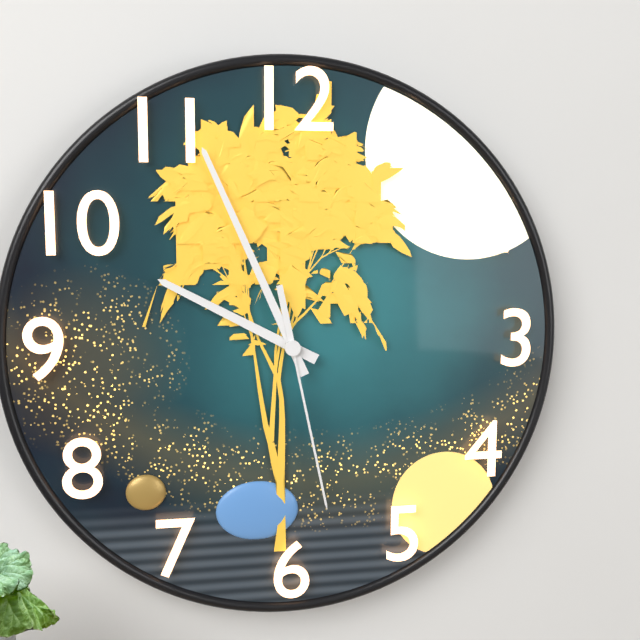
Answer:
9h56m28s
